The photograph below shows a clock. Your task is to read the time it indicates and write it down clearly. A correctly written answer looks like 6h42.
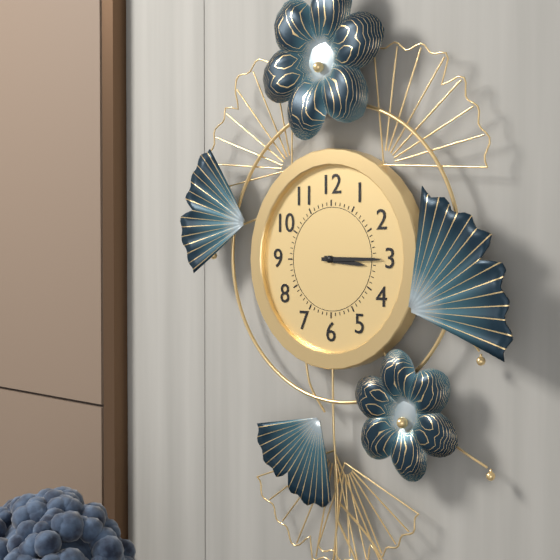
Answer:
3h15
